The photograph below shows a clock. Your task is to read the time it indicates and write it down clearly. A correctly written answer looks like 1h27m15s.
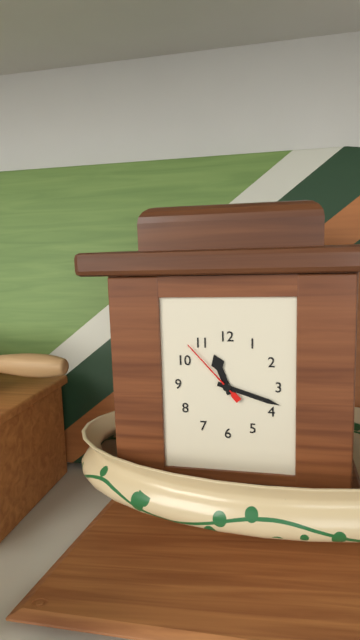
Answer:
11h18m53s
